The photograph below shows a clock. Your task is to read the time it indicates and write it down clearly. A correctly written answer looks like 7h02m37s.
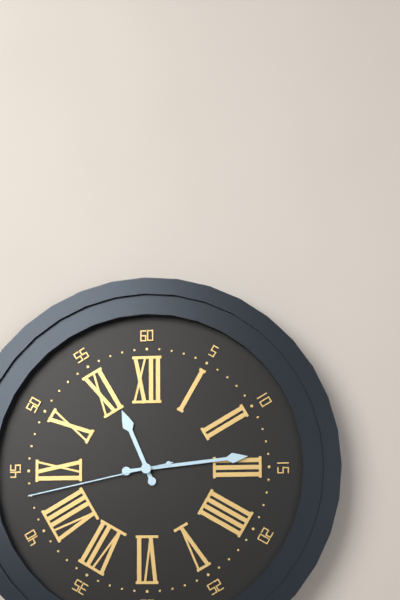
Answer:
11h14m43s
